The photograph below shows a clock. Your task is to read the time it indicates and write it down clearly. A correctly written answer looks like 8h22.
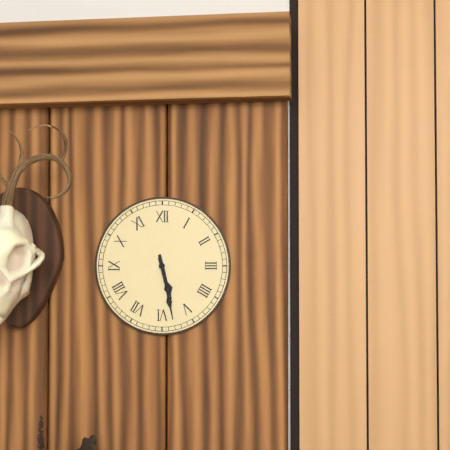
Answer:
5h28
